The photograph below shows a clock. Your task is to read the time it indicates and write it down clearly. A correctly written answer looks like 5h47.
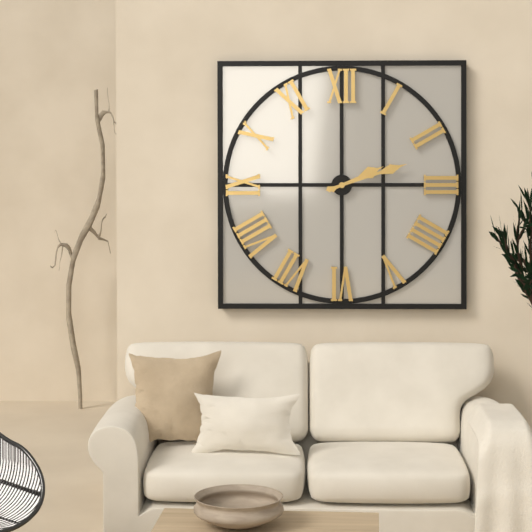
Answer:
2h12
